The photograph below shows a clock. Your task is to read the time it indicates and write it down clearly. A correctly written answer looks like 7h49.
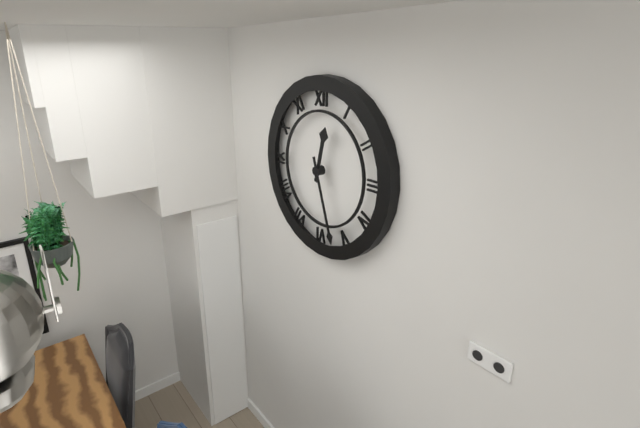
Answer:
12h27
